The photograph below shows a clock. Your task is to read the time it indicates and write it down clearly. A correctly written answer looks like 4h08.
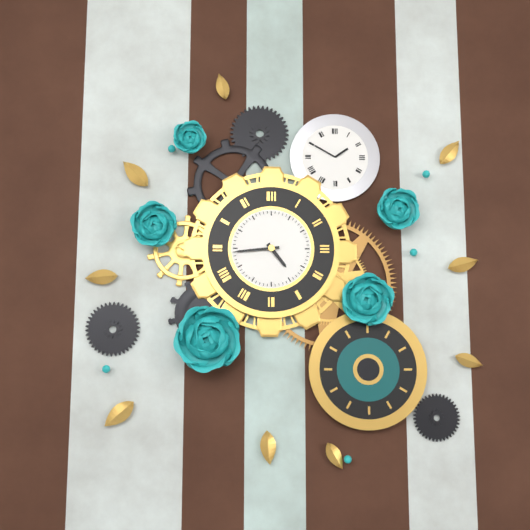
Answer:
4h44
